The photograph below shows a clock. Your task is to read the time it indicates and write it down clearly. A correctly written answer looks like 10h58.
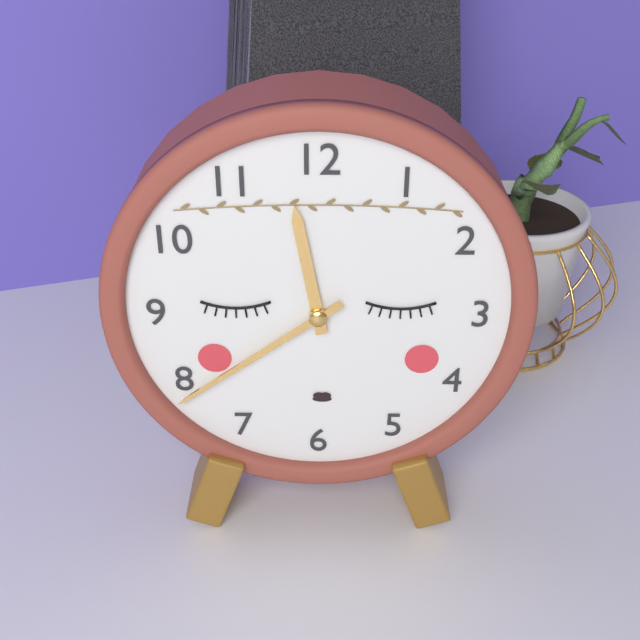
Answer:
11h39
